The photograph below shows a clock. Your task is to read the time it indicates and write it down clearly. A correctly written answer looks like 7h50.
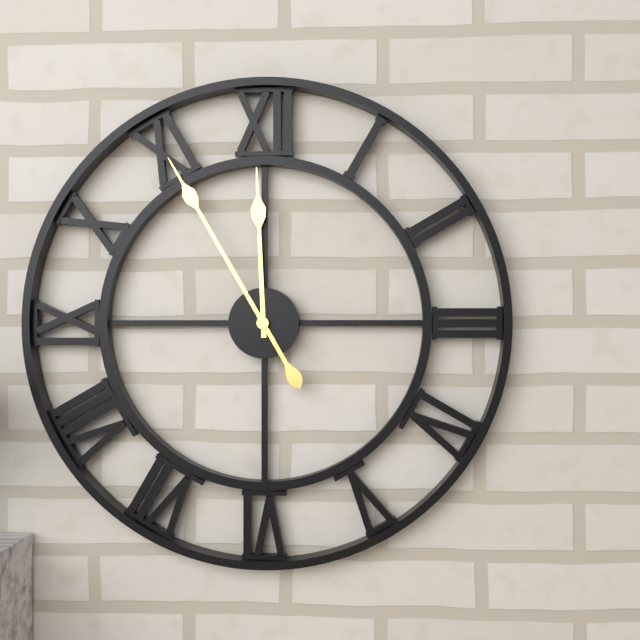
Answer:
11h55
